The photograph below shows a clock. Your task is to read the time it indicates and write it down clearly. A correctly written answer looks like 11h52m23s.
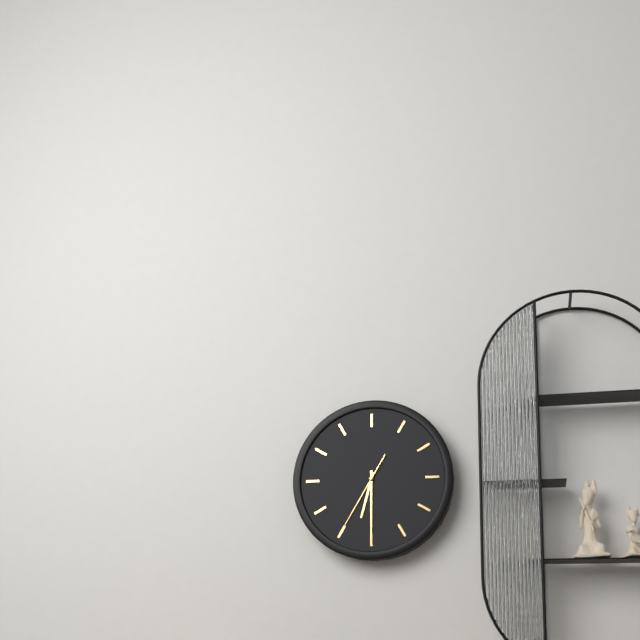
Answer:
6h30m35s
